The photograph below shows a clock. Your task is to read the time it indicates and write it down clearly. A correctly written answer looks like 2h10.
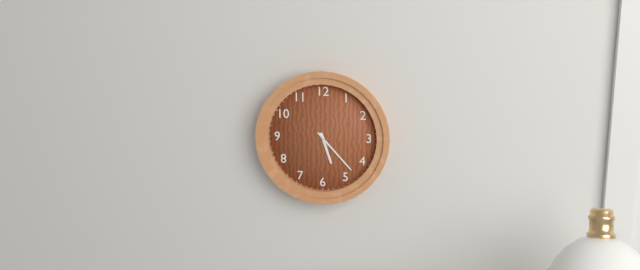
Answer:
5h23
